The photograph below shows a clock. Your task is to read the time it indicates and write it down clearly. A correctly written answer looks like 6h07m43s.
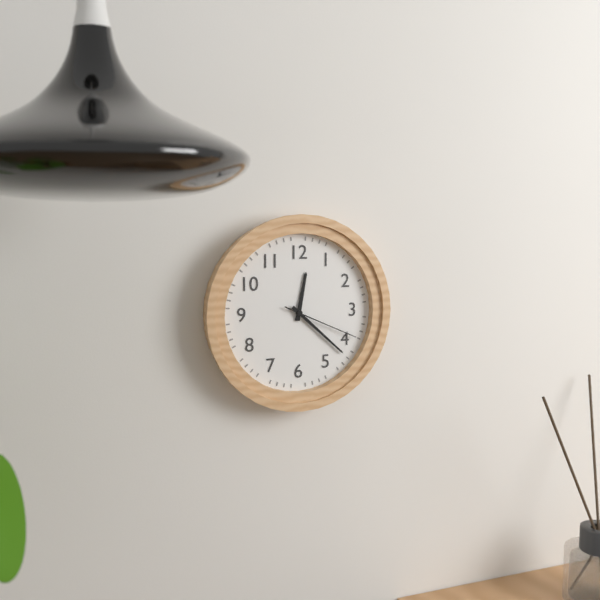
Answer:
12h22m19s
